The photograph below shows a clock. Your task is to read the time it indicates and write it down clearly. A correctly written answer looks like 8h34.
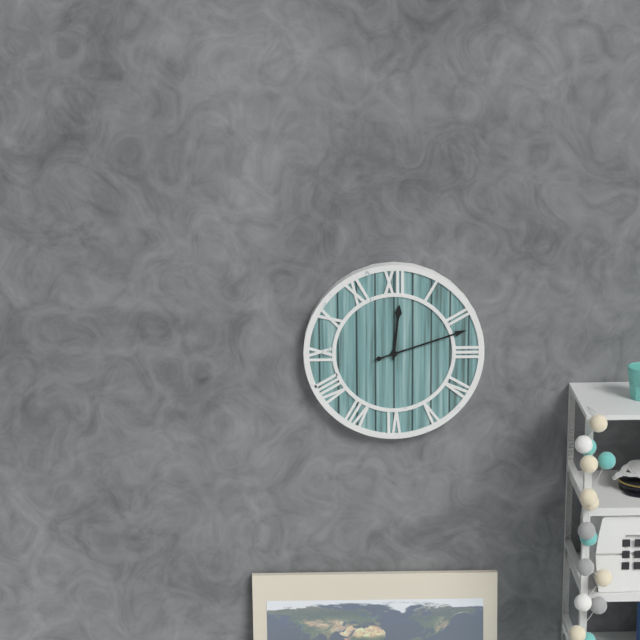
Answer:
12h12
